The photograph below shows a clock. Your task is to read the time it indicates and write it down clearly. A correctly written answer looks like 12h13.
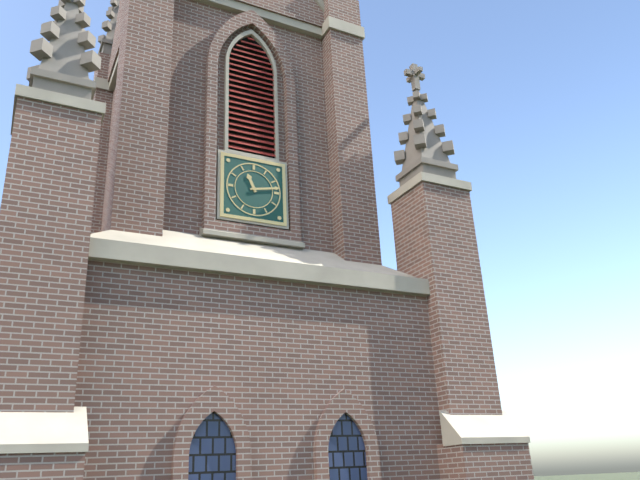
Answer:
11h13
